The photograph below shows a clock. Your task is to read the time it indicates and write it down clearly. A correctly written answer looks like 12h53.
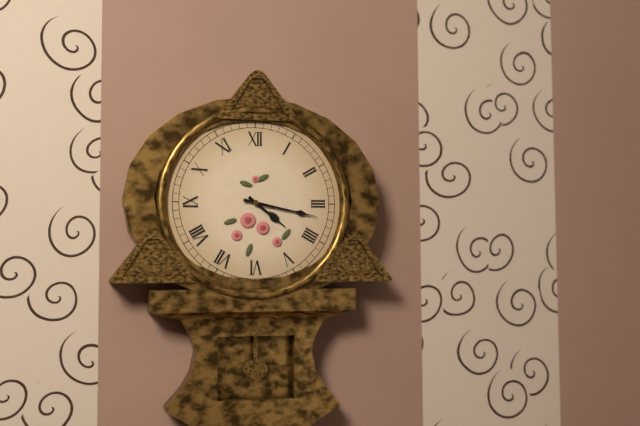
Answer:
4h17
